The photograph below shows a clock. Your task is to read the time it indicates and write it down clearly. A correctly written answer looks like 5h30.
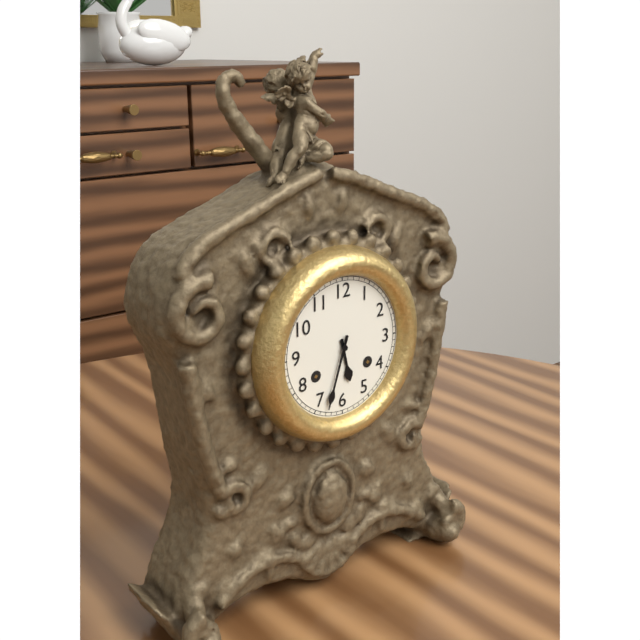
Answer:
5h33
